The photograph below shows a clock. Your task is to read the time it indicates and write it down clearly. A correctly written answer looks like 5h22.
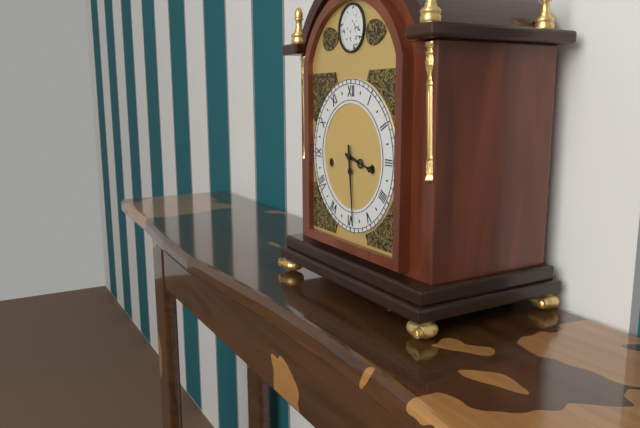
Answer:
3h29
